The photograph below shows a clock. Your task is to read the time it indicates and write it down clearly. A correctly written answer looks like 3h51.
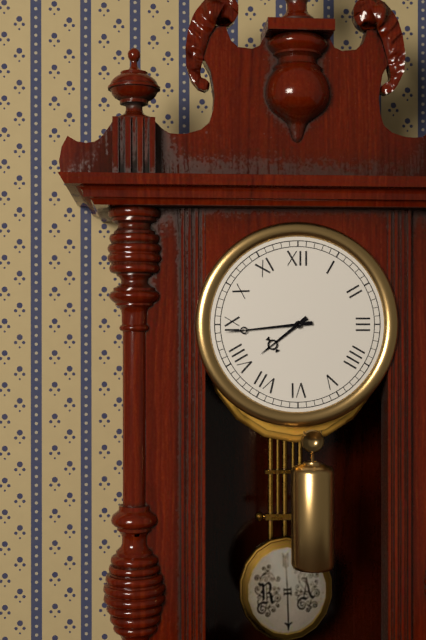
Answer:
7h44
